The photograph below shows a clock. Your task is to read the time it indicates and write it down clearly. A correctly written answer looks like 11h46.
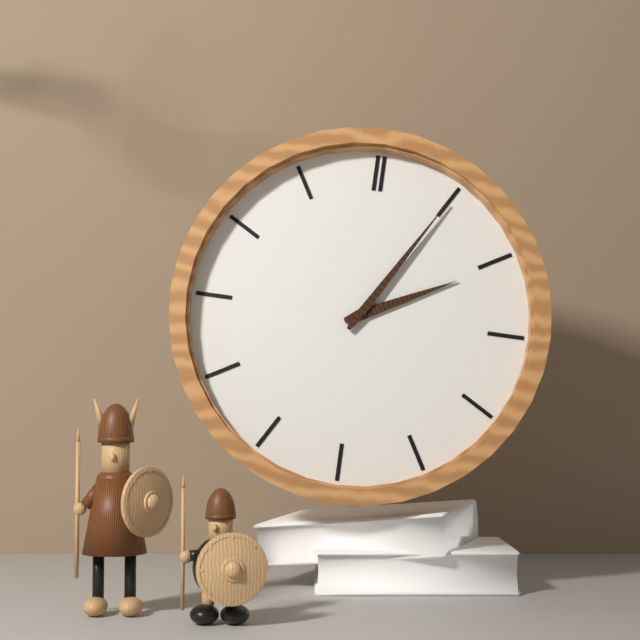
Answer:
2h05
